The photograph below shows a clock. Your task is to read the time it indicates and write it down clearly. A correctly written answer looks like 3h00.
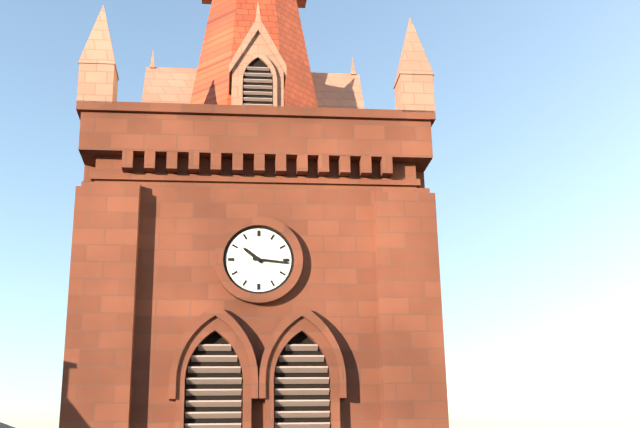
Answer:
10h16
